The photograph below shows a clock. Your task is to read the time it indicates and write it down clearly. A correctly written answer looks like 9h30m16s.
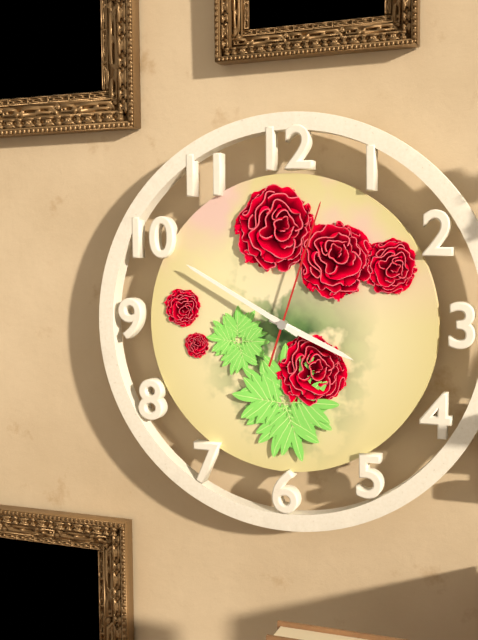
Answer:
3h50m03s
